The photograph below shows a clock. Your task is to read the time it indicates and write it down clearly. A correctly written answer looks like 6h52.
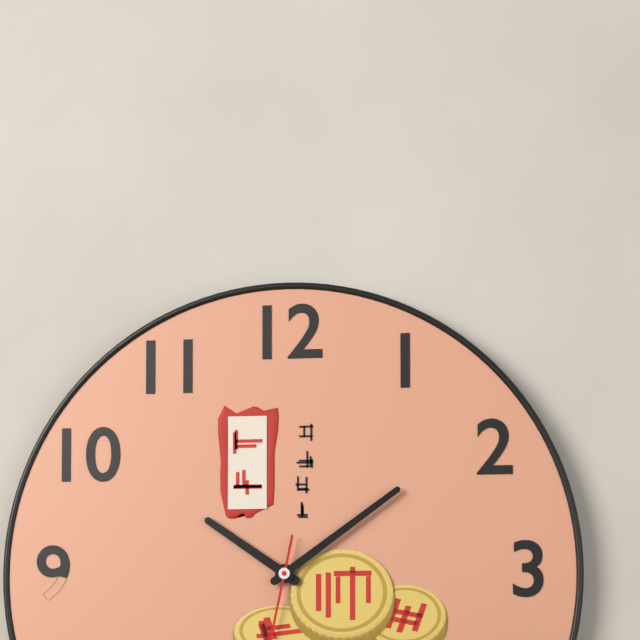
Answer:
10h09
